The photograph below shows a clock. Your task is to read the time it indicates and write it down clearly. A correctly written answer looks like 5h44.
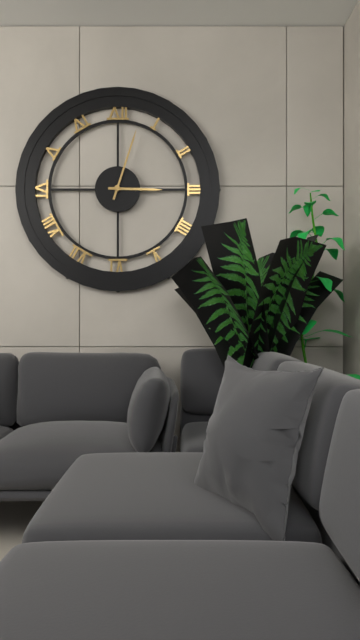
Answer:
3h03
